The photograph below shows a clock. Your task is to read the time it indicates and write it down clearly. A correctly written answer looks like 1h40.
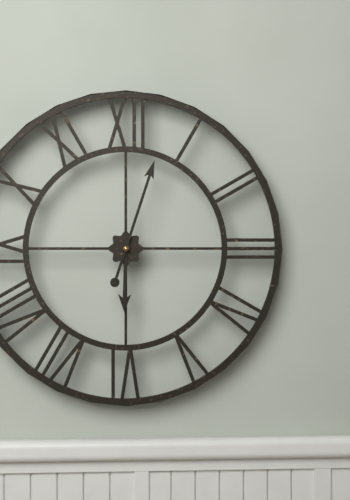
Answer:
6h03
